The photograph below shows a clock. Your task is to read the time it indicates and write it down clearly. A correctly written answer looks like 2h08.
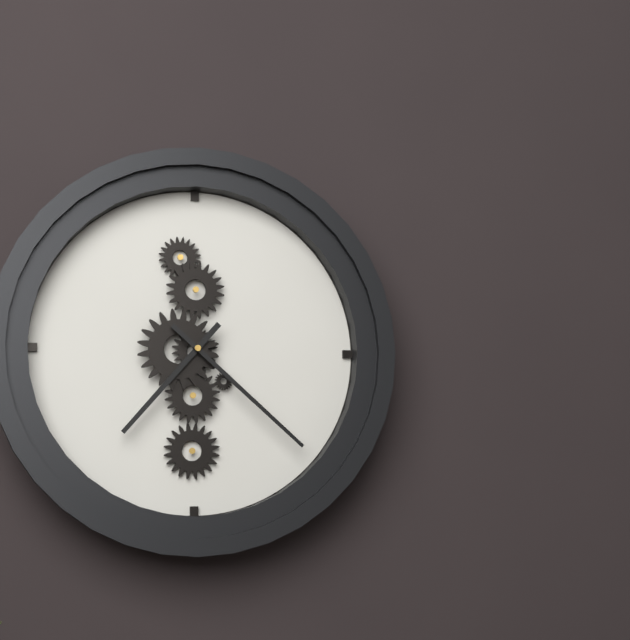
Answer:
7h22
